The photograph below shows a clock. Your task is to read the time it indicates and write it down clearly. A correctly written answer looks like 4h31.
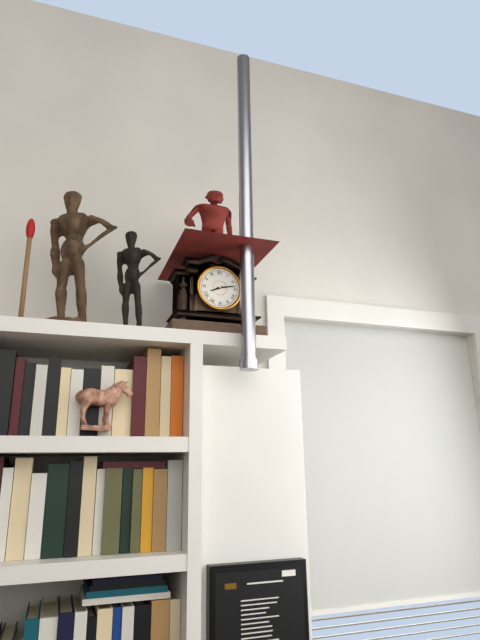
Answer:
8h13
